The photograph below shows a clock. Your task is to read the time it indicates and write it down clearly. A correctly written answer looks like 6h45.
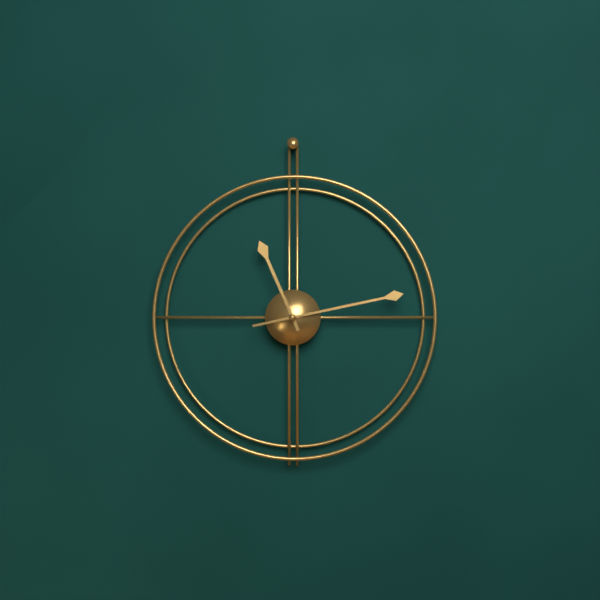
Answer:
11h13
